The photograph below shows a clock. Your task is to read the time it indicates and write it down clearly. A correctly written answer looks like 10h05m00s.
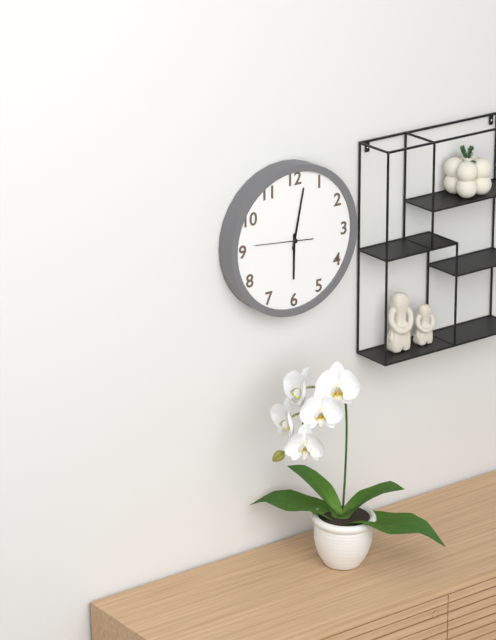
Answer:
6h02m46s
